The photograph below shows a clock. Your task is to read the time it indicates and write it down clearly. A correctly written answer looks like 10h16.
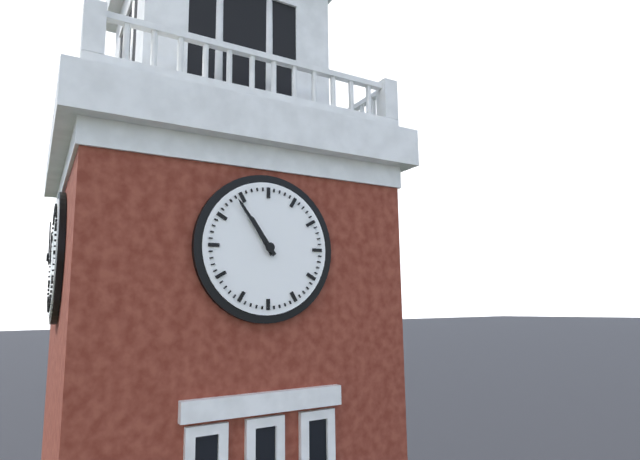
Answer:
10h54
